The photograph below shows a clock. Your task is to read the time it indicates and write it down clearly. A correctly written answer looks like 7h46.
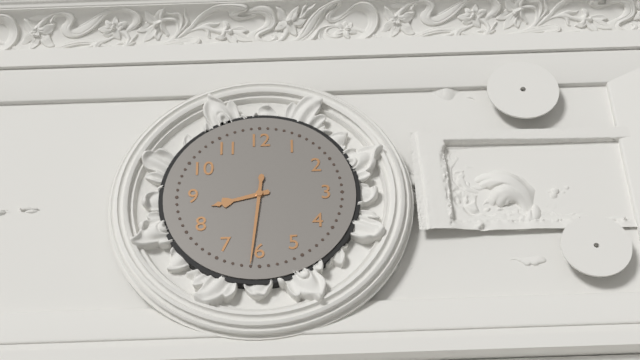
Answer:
8h31
